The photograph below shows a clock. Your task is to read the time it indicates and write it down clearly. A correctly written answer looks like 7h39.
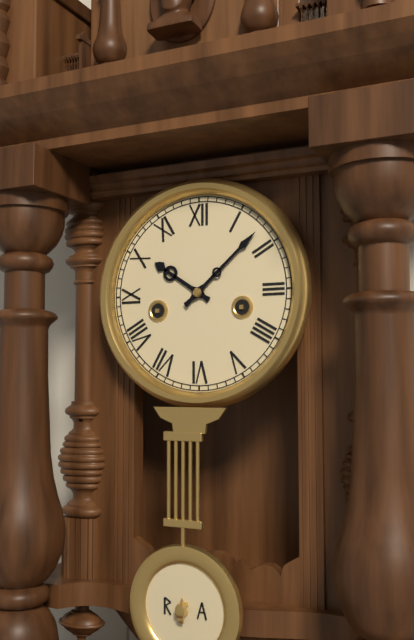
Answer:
10h08
